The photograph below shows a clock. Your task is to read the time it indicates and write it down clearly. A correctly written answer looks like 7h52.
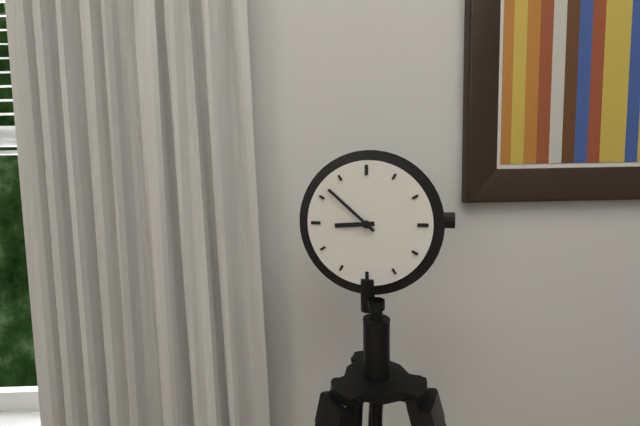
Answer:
8h52
